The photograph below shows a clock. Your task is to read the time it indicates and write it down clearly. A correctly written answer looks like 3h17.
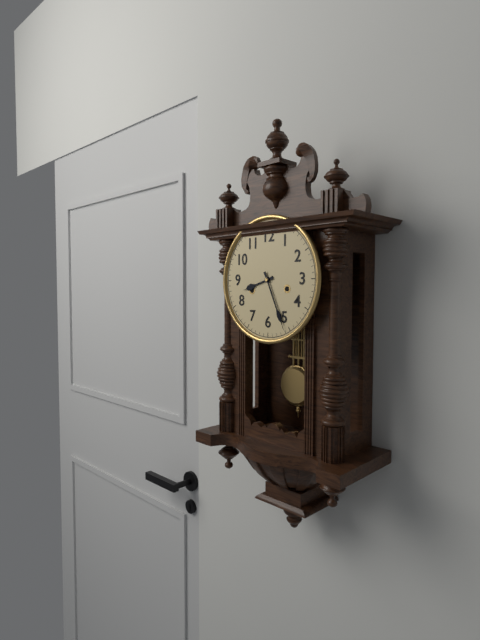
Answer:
8h26
